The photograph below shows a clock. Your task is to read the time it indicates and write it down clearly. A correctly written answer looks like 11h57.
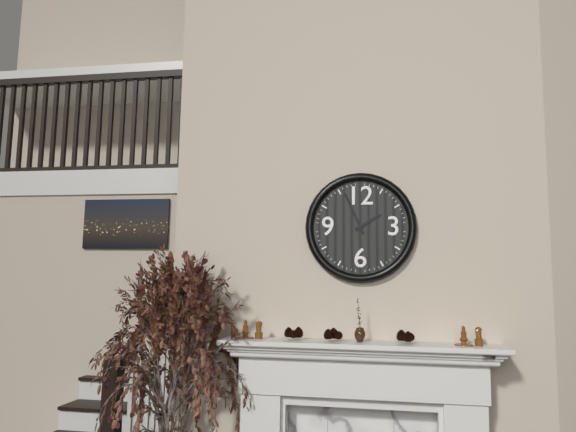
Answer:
1h56
